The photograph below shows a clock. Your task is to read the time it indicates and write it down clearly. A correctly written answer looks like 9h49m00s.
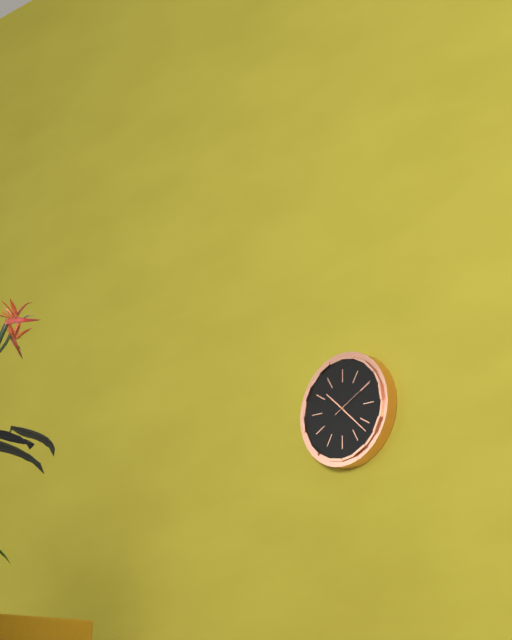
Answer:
10h22m10s
